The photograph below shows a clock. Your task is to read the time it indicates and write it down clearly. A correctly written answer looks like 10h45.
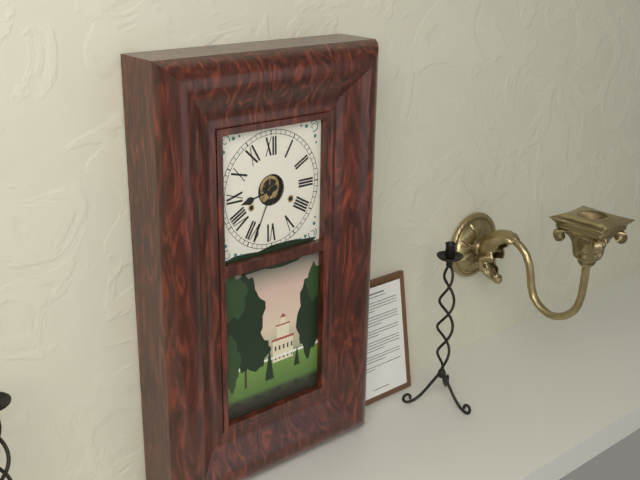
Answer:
8h34
